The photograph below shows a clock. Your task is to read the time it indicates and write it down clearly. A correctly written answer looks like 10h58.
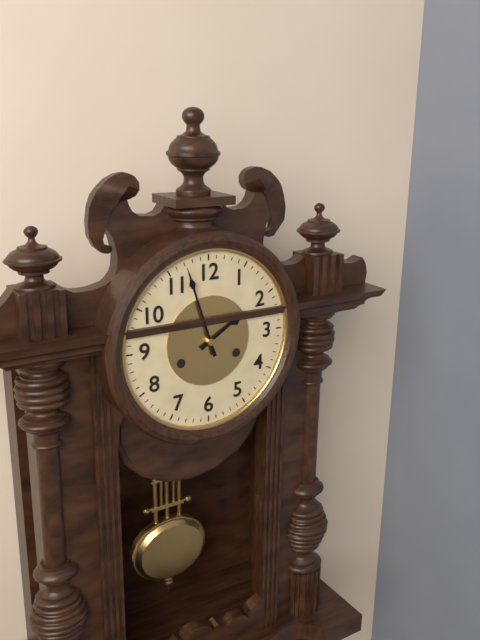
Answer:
1h57
